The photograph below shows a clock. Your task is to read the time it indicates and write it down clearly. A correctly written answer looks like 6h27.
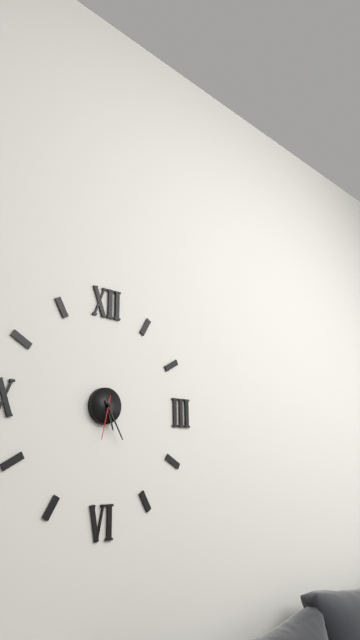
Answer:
5h25
